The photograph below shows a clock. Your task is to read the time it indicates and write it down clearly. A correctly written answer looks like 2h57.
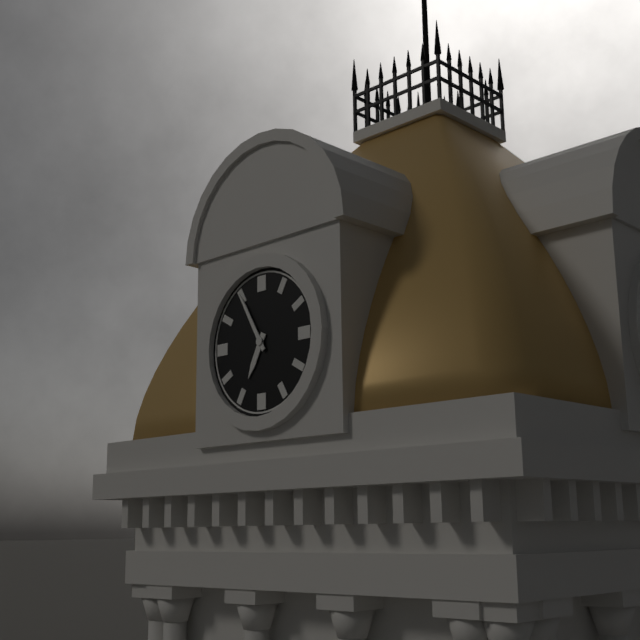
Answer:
6h55
